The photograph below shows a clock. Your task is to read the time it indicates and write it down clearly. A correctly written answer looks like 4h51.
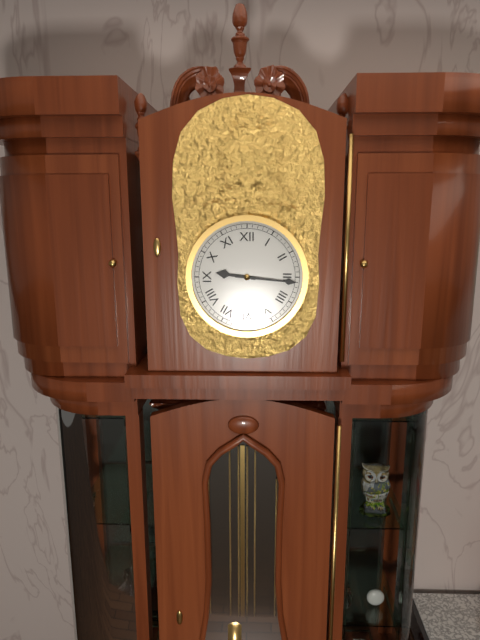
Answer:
9h16
